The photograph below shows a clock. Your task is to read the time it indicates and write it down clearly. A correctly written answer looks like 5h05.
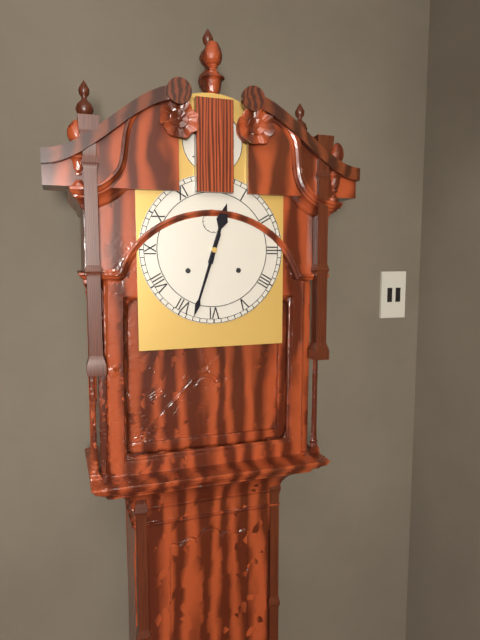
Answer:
12h33
